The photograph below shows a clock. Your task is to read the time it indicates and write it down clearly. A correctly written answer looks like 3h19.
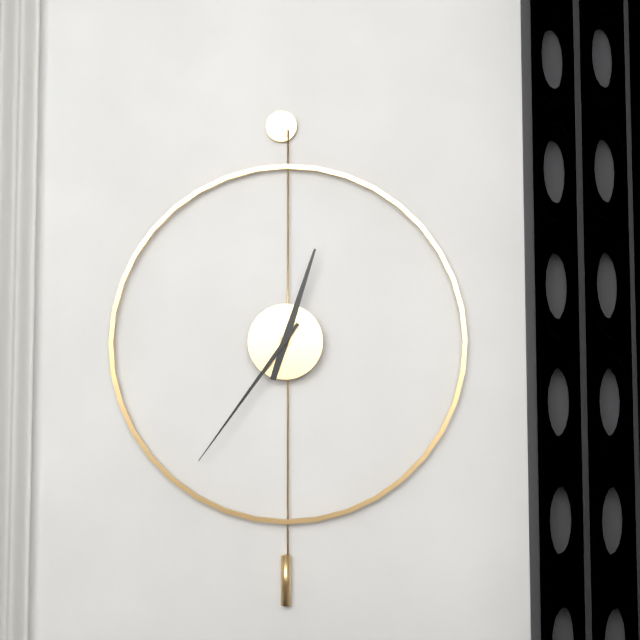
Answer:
12h36
